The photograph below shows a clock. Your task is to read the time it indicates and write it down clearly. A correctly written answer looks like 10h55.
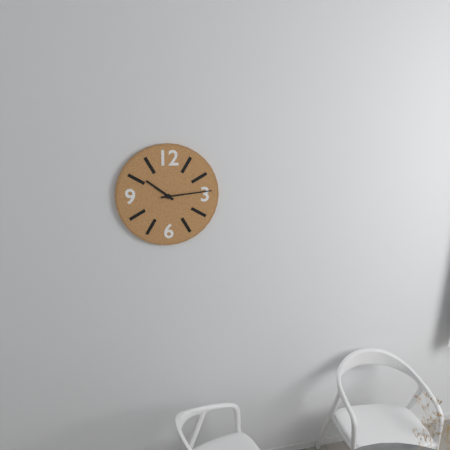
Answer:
10h14
